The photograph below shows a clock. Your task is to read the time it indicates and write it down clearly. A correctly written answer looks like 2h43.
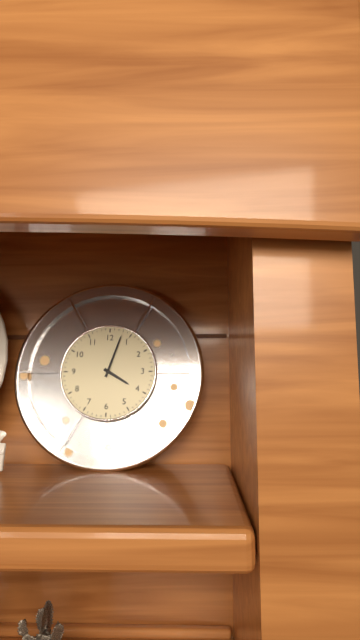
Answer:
4h03
